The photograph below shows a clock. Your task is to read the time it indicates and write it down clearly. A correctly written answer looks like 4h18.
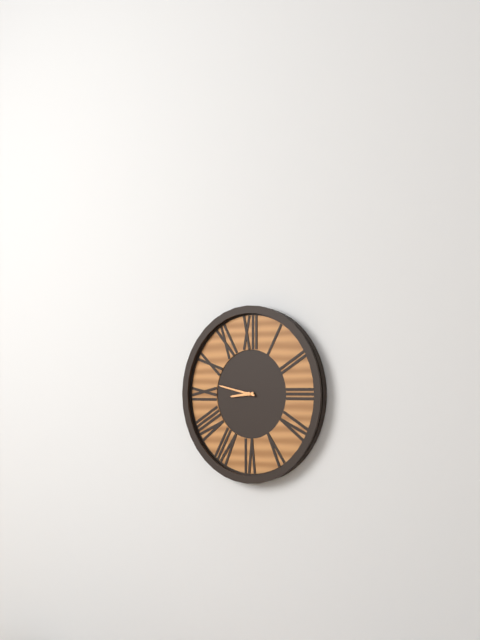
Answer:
8h47
